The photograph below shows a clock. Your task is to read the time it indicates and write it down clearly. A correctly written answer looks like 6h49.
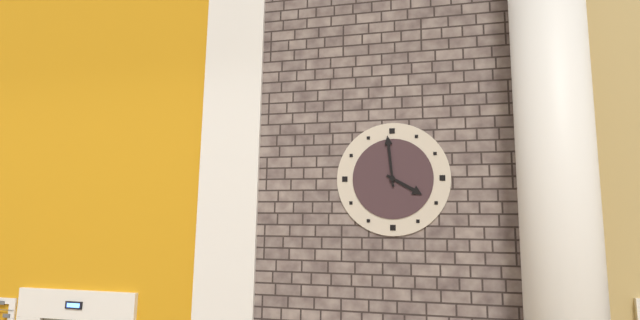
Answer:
3h59
